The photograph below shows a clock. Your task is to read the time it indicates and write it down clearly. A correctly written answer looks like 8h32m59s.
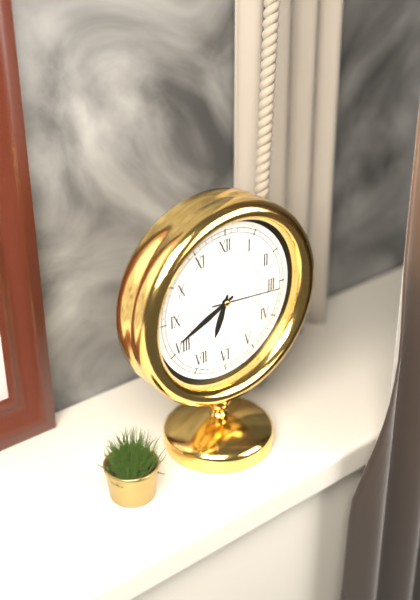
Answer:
6h41m16s
